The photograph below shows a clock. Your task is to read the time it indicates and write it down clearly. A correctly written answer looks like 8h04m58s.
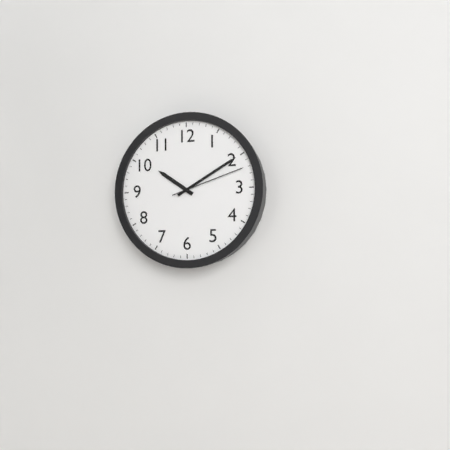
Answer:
10h10m12s
